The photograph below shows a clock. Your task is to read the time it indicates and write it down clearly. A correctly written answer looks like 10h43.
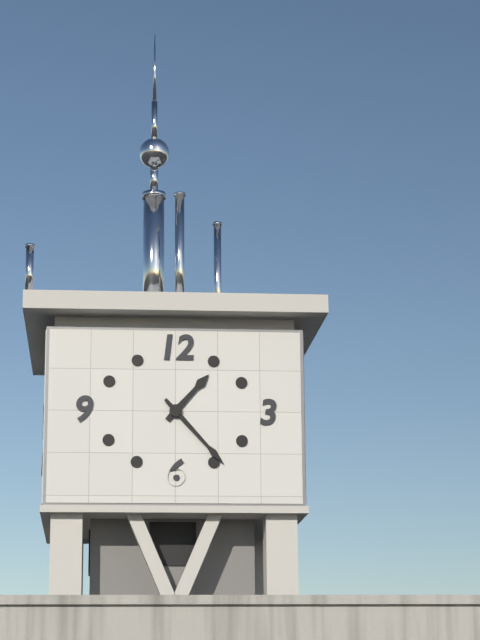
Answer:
1h23
